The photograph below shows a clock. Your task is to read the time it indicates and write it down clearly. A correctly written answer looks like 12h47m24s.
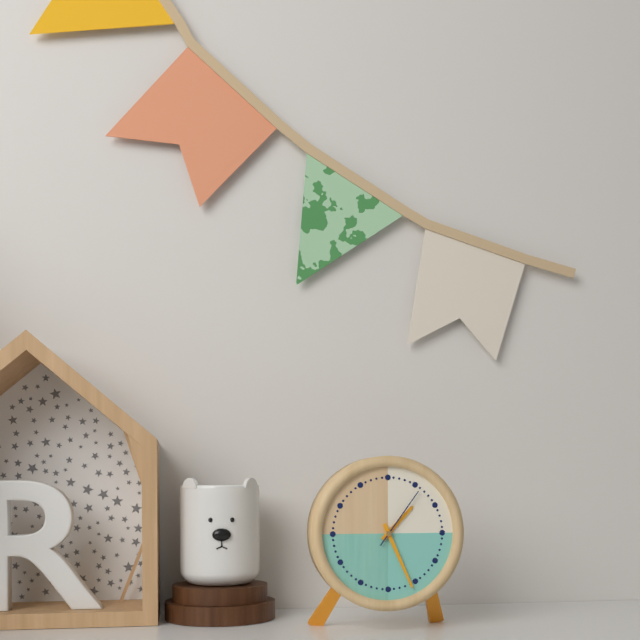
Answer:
1h26m06s
